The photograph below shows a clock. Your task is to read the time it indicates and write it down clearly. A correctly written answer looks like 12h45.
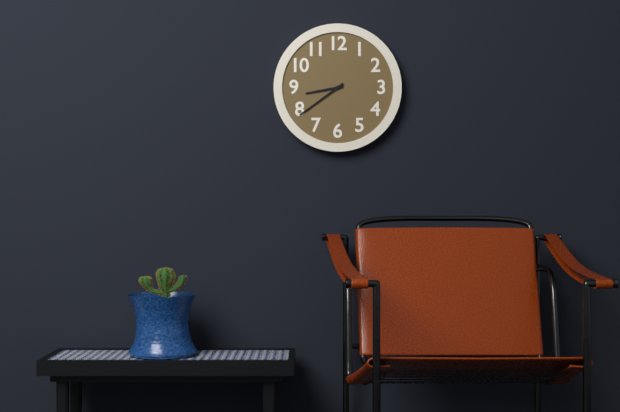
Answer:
8h39
